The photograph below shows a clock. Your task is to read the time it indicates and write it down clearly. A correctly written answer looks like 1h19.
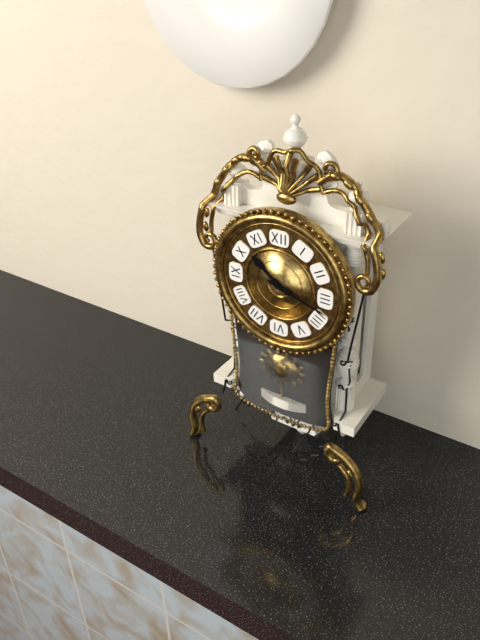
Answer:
10h18
